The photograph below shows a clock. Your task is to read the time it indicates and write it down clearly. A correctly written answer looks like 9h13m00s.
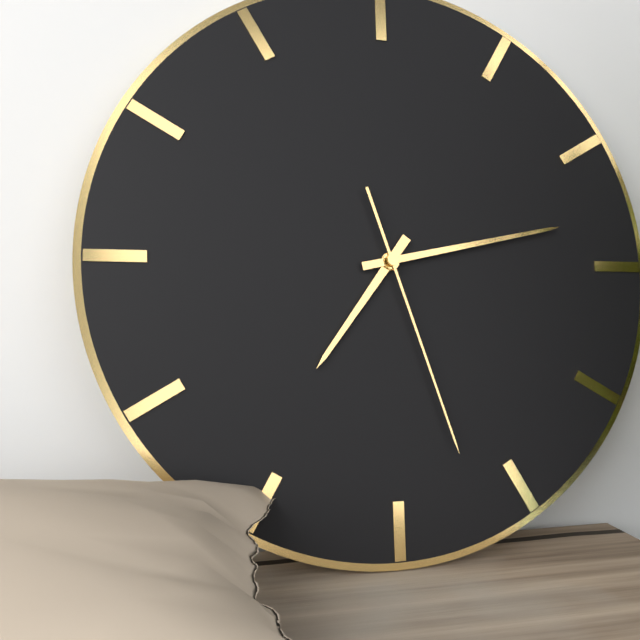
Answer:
7h13m27s
